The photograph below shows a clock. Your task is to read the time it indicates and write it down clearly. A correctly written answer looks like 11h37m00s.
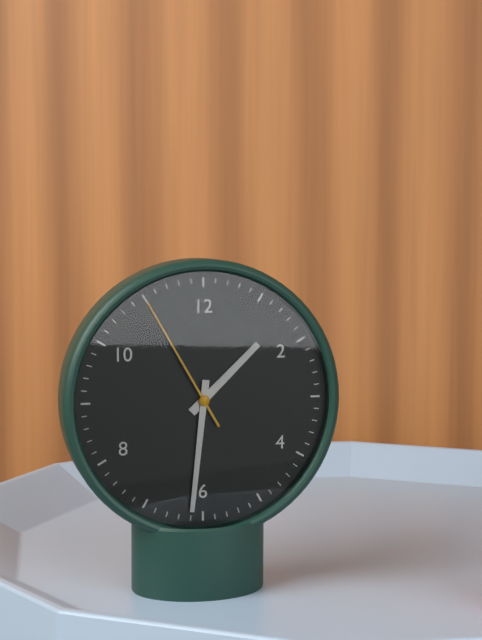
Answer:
1h31m55s
